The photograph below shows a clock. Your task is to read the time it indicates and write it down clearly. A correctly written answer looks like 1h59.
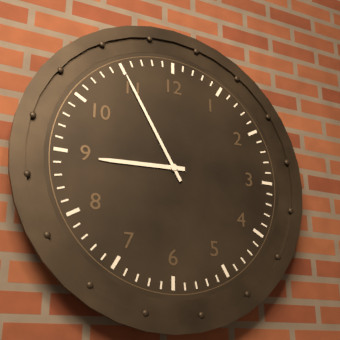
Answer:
8h55
